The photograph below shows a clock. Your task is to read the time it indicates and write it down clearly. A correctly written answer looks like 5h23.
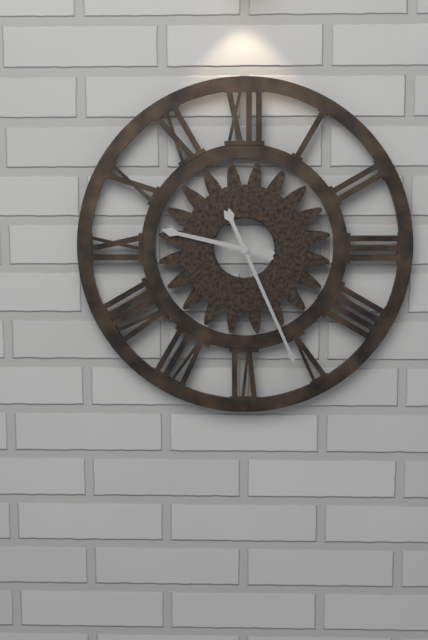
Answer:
9h26
